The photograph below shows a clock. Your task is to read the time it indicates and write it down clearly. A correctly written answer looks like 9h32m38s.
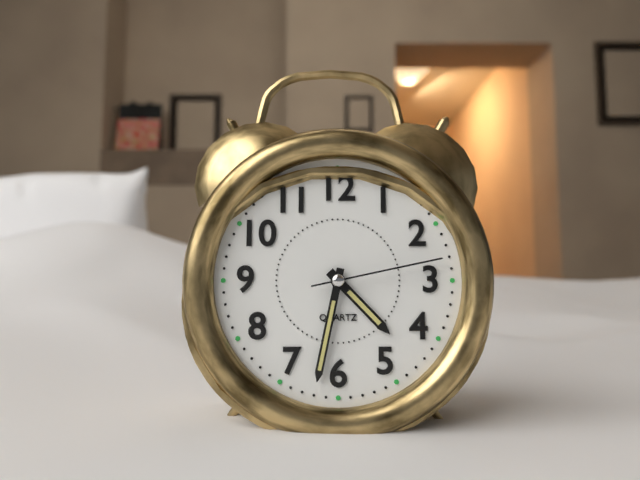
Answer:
4h32m13s
